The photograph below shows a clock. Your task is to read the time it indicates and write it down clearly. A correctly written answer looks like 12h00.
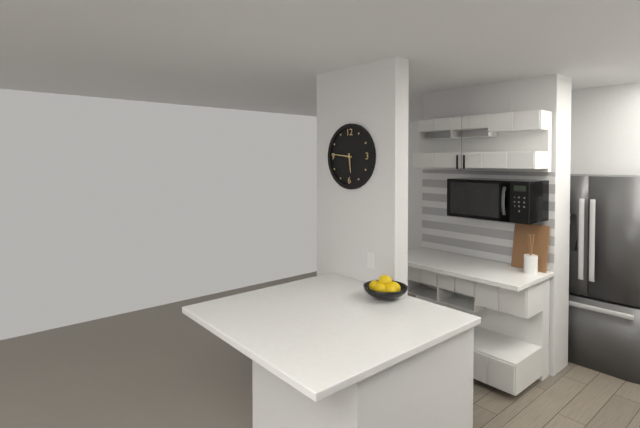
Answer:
5h46
